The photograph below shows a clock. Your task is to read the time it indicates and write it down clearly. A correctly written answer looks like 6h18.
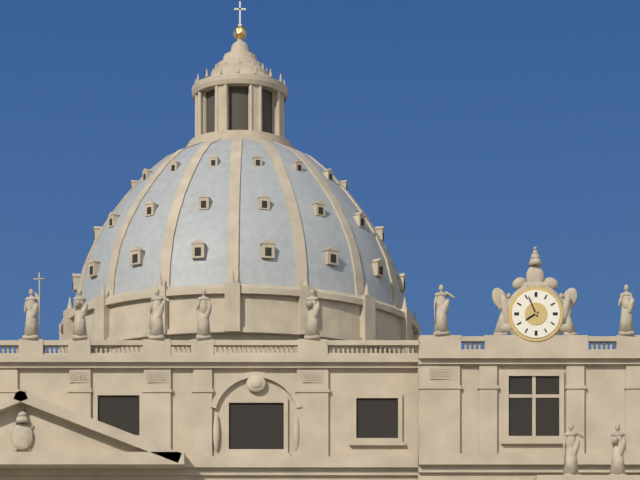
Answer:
7h56
